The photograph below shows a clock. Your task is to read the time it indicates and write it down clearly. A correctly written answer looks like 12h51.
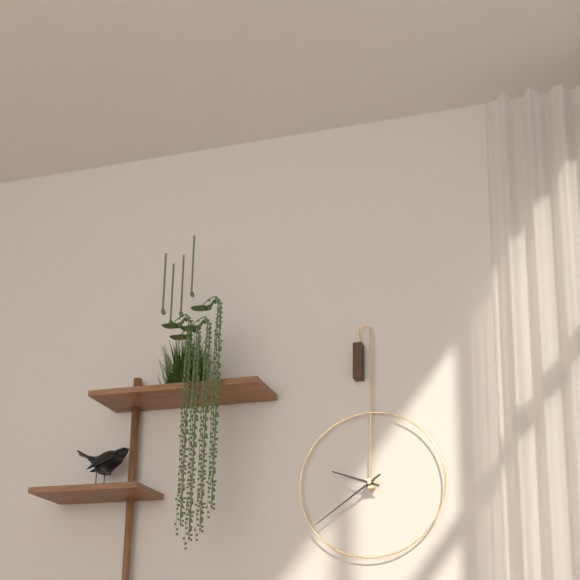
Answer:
9h39
